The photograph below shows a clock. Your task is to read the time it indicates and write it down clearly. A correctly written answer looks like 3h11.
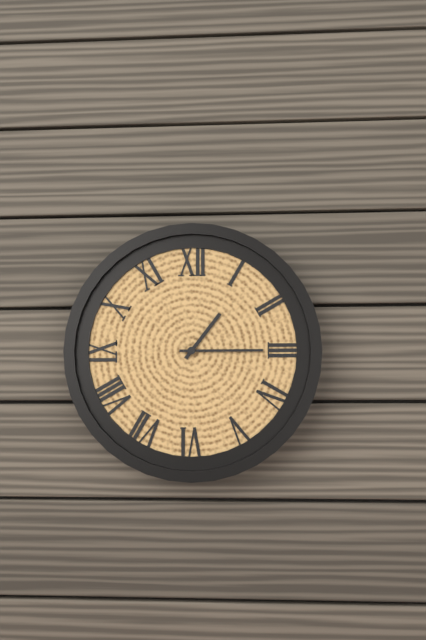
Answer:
1h15
